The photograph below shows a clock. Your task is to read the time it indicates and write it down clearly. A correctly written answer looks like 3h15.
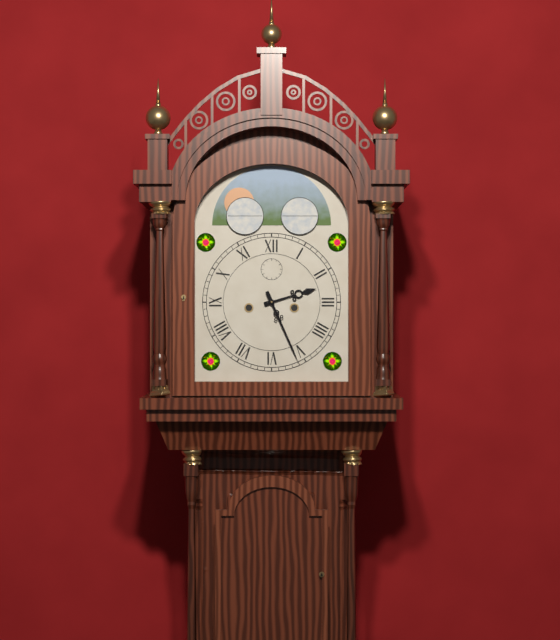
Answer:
2h26
